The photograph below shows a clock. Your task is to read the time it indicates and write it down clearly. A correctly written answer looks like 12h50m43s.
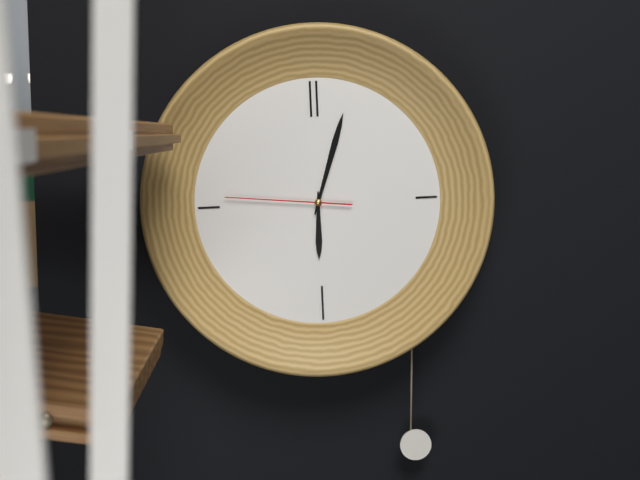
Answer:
6h03m46s
